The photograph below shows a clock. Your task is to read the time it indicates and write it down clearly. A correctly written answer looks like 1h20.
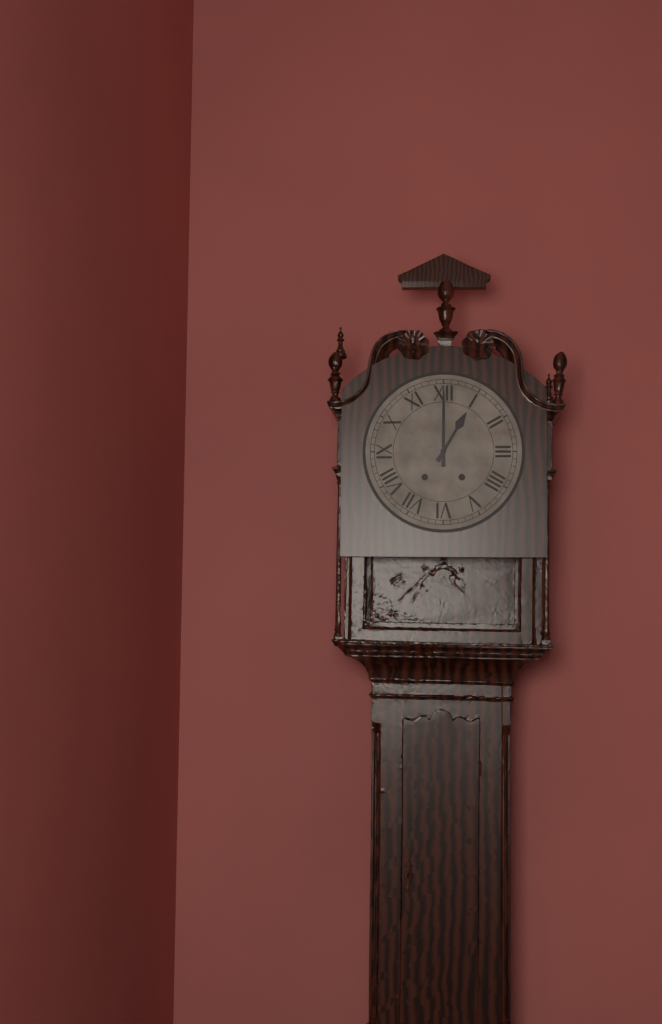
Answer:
1h00
